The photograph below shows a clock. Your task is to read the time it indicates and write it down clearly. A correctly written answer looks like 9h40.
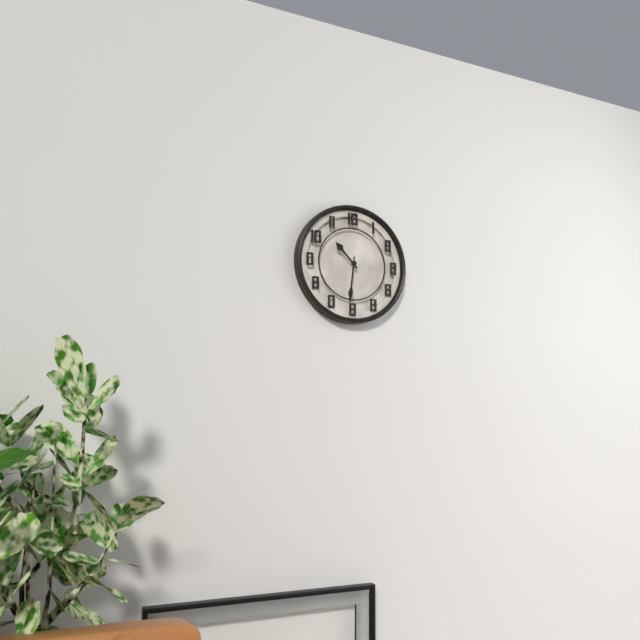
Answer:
10h31
